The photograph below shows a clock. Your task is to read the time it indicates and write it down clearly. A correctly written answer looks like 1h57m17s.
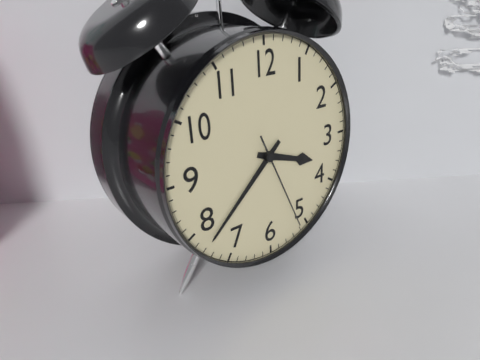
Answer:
3h38m26s
